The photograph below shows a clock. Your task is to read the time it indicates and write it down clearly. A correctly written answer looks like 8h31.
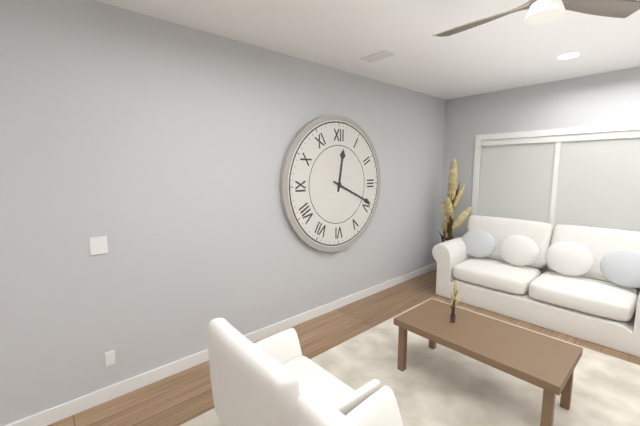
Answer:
12h19
